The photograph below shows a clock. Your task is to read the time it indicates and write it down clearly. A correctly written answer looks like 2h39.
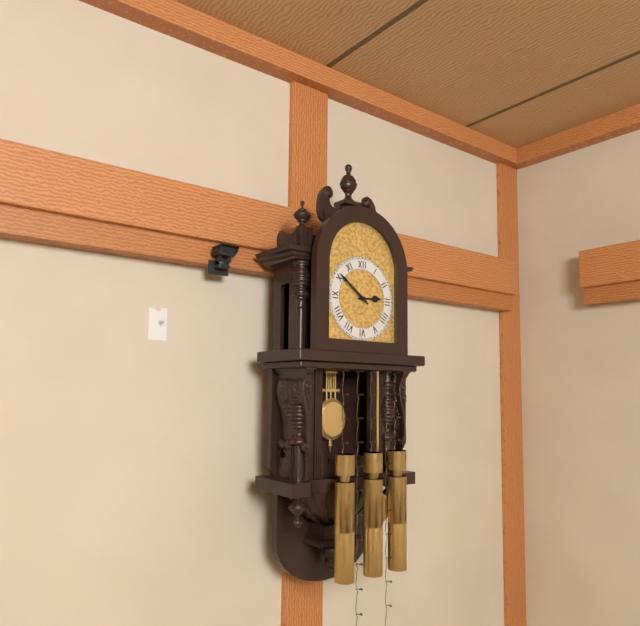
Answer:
2h51
